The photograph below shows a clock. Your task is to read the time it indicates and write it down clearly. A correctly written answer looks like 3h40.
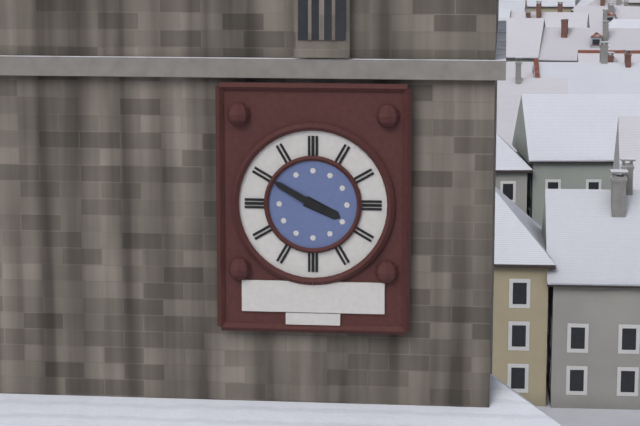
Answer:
3h50
